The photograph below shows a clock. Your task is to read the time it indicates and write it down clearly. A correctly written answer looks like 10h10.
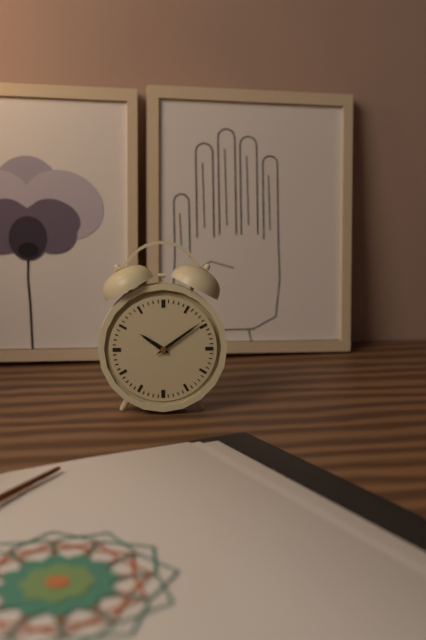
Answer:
10h09
